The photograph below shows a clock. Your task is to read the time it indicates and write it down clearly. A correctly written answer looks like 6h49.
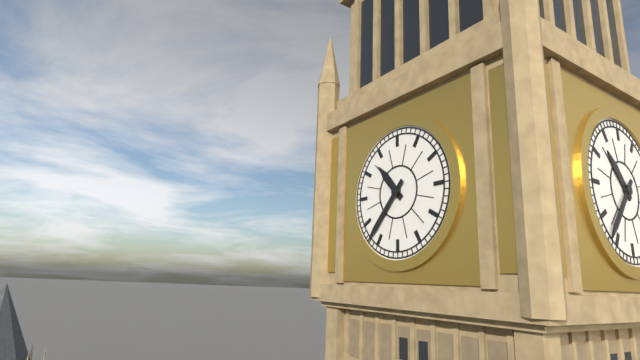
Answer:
10h37
